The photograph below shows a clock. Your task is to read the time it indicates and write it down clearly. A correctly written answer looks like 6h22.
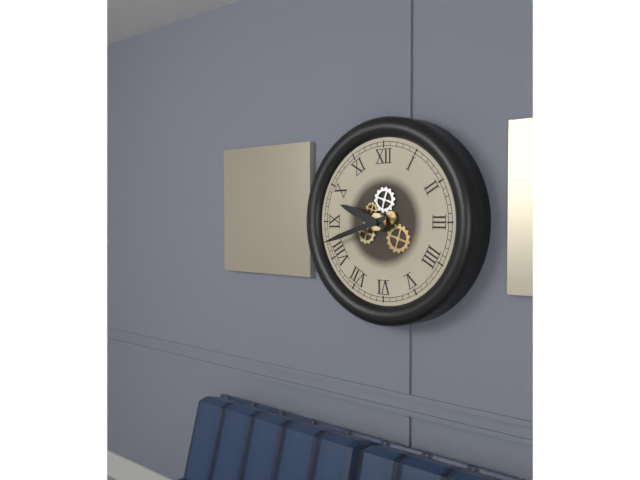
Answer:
9h42
